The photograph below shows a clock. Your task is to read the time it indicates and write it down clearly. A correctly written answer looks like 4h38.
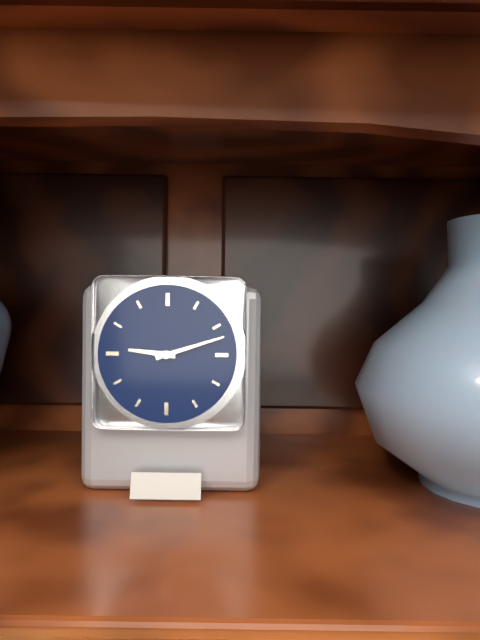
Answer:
9h12
